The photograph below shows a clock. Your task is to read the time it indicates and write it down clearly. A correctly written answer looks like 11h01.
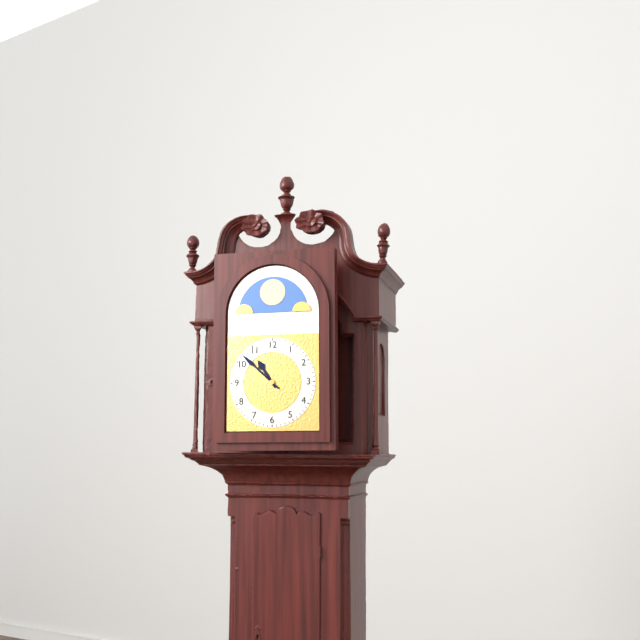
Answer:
10h52
